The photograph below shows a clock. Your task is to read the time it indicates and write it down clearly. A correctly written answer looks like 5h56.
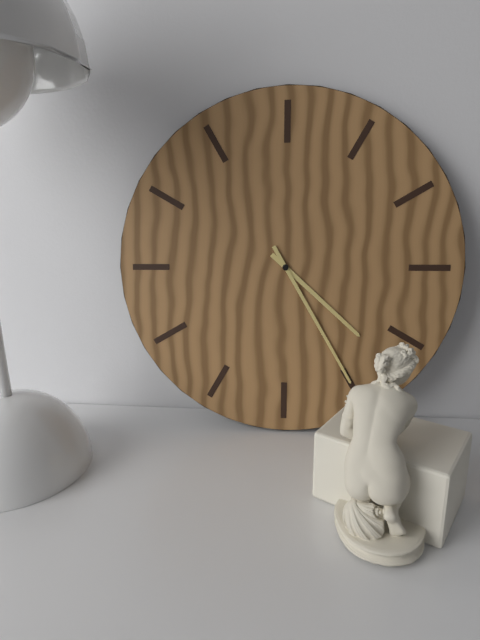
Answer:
4h25
